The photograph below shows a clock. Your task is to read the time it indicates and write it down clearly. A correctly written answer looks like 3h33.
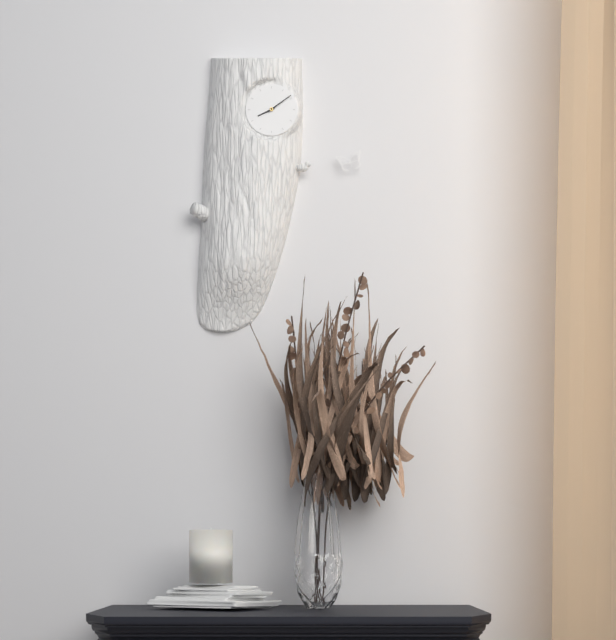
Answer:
8h09
